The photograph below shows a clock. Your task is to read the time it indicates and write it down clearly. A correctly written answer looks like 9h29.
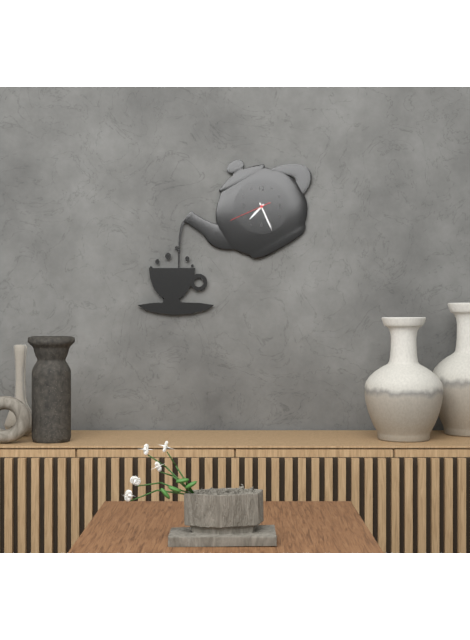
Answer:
7h26
